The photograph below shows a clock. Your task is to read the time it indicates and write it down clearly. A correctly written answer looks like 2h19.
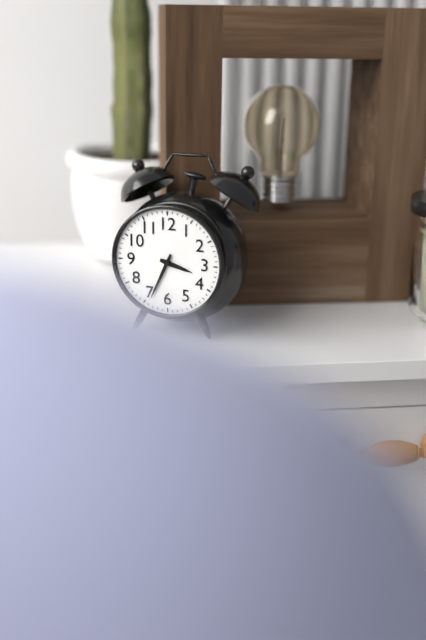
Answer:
3h34
